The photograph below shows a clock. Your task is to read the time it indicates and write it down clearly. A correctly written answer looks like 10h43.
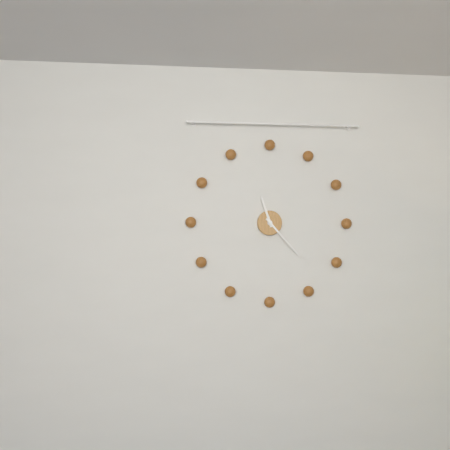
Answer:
11h23
